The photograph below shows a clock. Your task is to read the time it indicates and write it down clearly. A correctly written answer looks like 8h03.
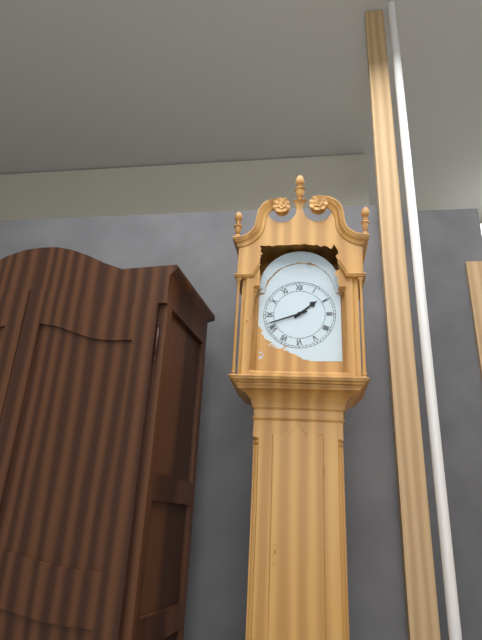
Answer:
1h42
